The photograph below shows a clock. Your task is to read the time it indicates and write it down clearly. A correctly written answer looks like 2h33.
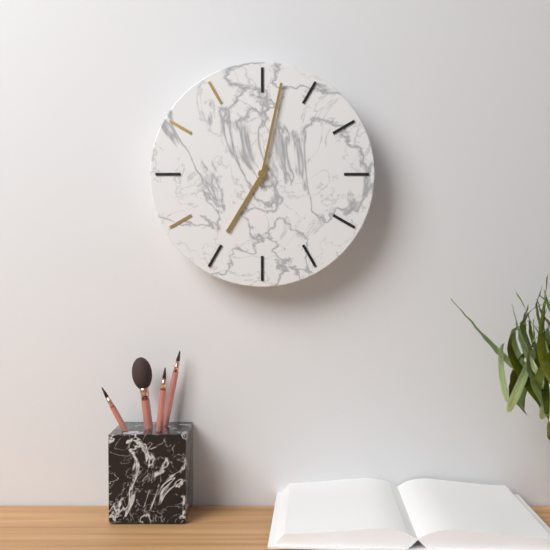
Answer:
7h02
